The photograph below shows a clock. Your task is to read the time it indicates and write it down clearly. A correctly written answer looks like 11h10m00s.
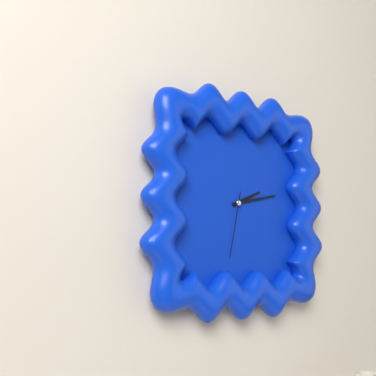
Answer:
2h13m32s
